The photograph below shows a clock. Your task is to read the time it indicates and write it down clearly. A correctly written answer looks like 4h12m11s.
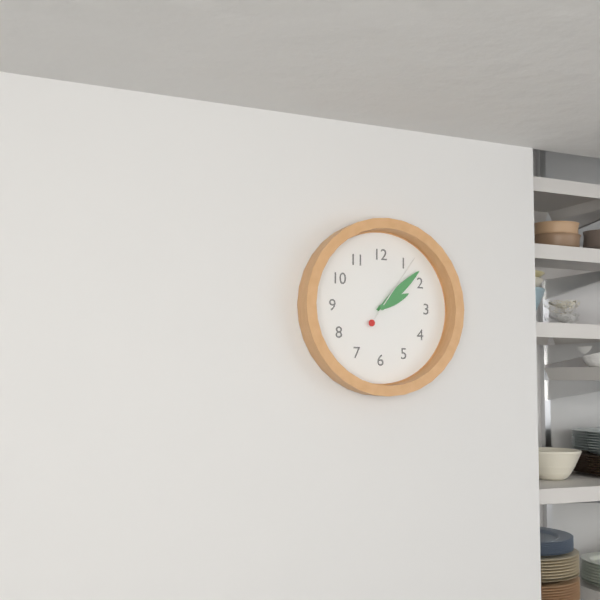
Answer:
2h08m06s
